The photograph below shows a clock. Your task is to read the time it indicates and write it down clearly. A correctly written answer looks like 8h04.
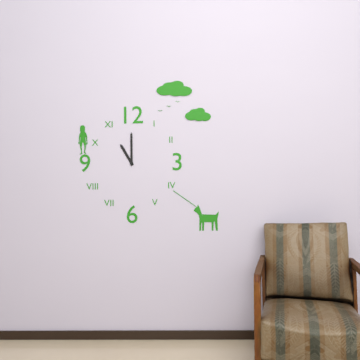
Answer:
11h00
